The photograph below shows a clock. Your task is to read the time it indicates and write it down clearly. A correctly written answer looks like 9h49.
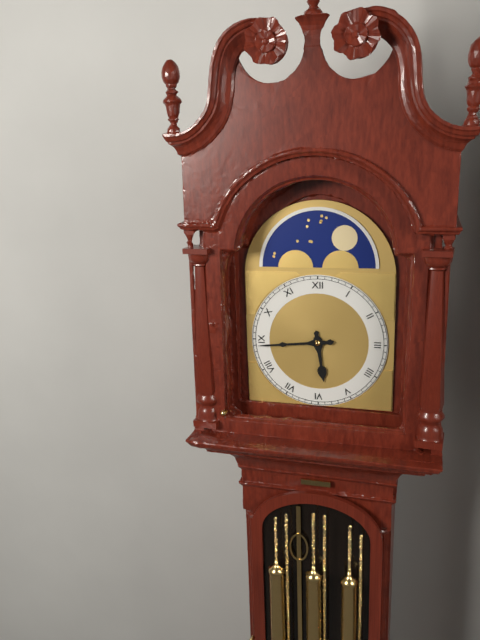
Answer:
5h44
